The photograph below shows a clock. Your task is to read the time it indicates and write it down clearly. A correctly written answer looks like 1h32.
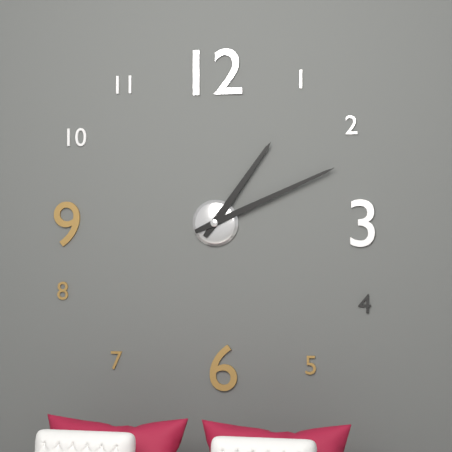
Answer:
1h11
